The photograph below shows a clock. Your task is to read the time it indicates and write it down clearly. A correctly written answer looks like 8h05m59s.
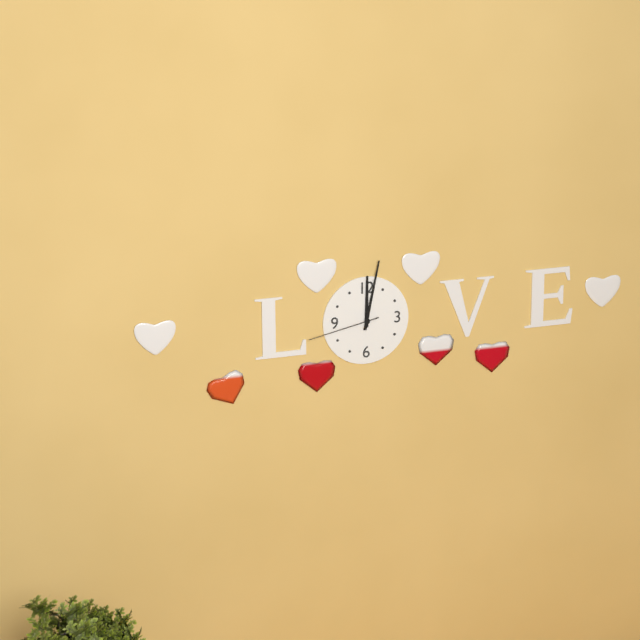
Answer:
12h02m43s
